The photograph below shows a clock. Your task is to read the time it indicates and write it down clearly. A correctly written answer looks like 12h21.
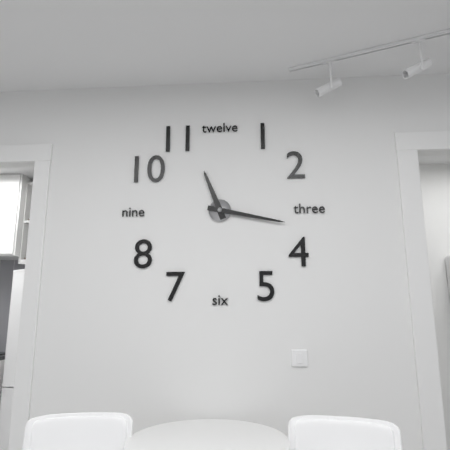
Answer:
11h17
